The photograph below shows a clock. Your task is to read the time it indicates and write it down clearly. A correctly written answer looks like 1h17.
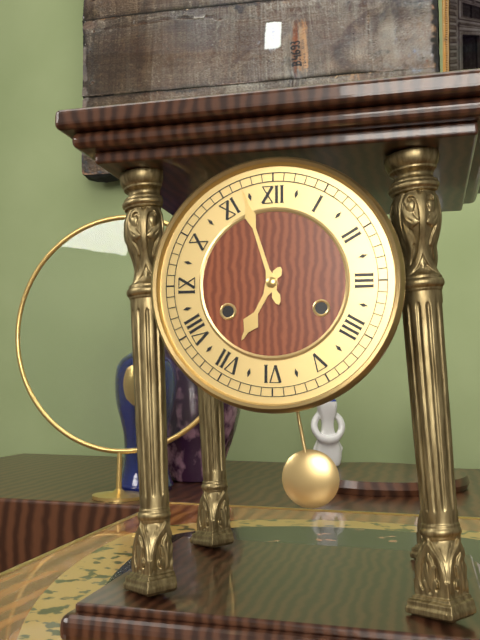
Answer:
6h57
